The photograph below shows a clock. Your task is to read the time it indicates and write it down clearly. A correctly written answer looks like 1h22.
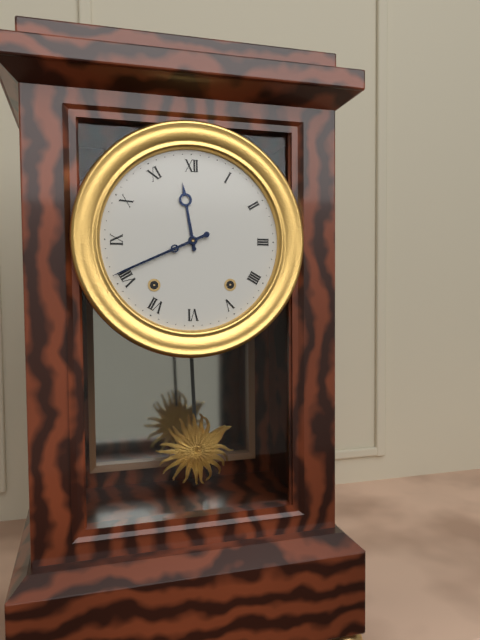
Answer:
11h41
